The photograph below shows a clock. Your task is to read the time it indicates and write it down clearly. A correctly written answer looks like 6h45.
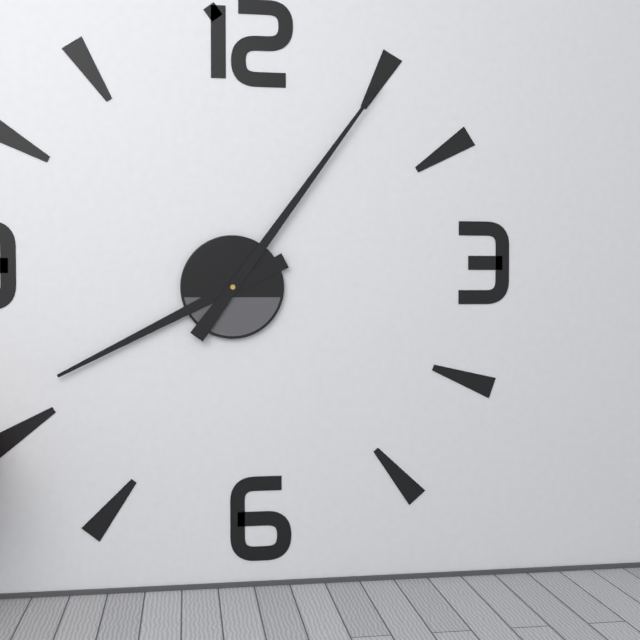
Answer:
8h06
